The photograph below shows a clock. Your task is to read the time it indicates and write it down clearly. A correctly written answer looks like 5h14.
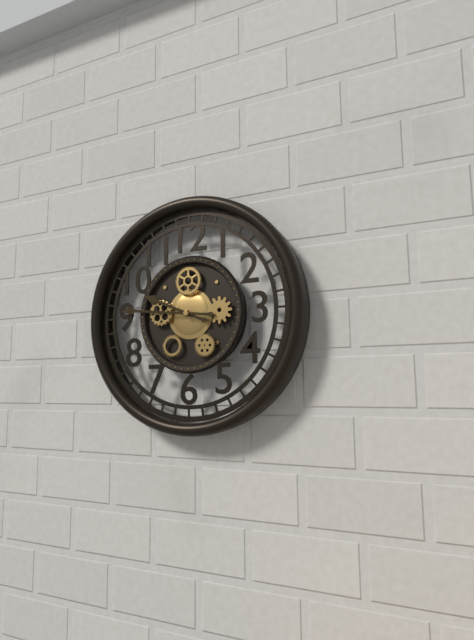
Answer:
9h46
